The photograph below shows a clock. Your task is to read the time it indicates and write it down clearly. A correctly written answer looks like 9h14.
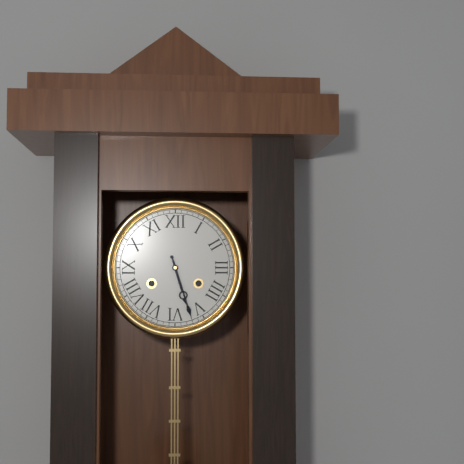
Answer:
5h27
